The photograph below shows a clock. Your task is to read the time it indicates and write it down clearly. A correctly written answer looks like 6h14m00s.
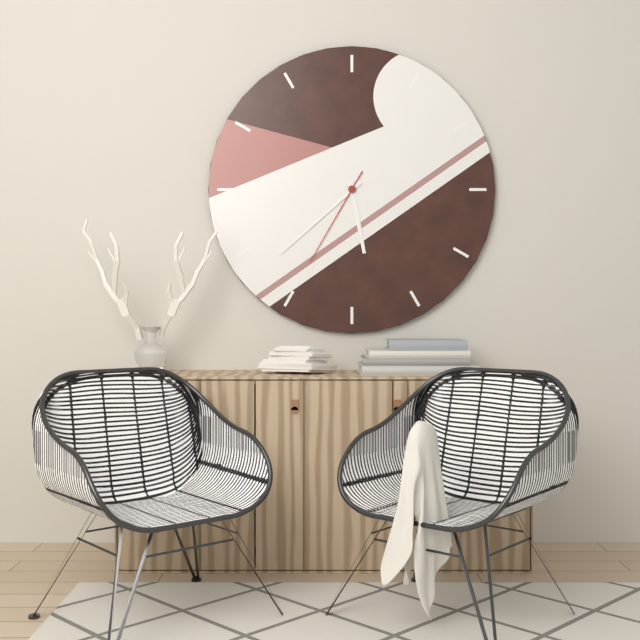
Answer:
5h38m35s
